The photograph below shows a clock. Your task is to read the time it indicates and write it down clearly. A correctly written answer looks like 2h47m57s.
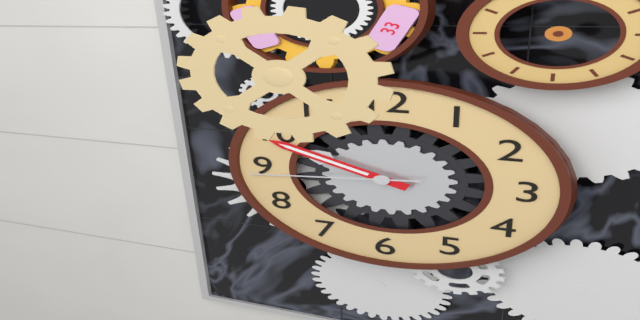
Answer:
9h49m44s
